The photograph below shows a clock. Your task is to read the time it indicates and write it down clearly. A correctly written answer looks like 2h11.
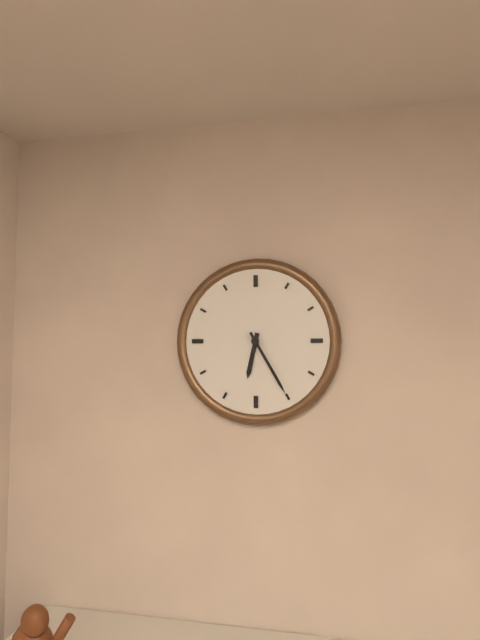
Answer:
6h25
